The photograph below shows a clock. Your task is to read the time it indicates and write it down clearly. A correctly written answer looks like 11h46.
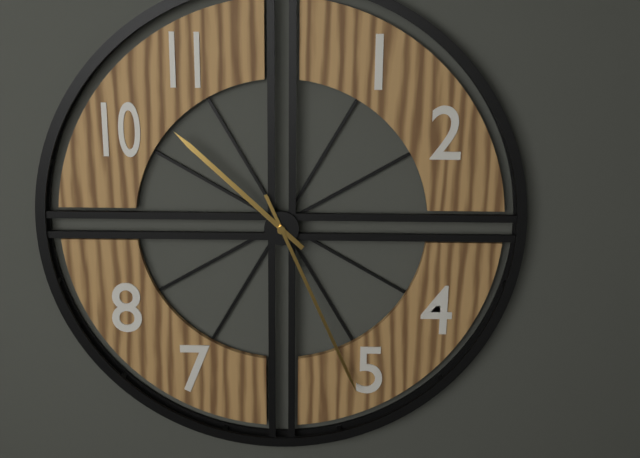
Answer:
10h26
